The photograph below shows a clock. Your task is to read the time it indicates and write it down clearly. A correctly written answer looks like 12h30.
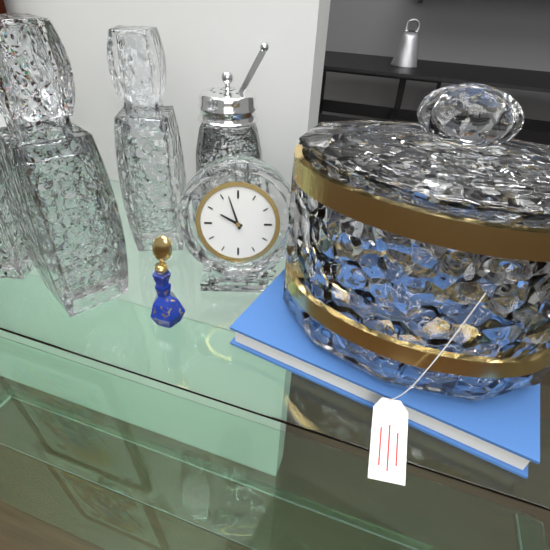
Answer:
9h57
